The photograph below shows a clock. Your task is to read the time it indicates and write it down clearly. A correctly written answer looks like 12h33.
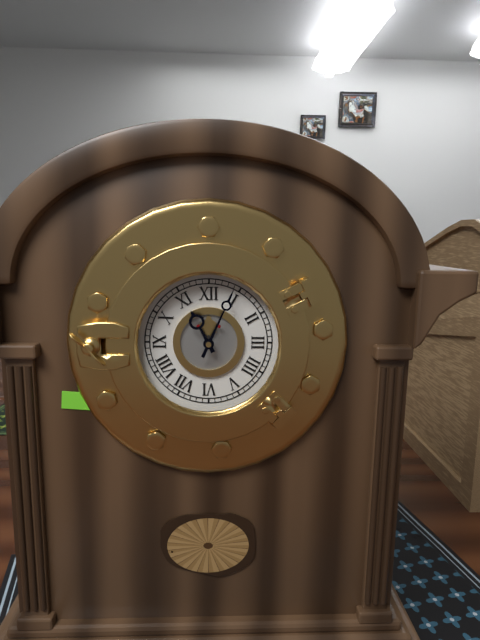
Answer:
11h04
